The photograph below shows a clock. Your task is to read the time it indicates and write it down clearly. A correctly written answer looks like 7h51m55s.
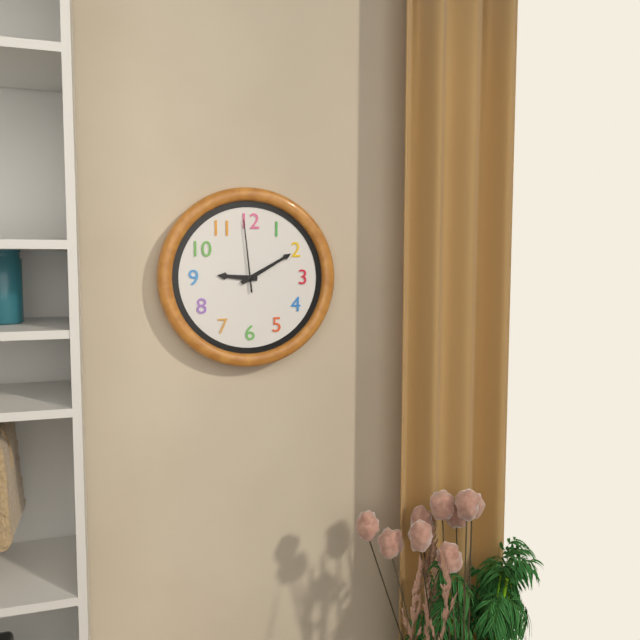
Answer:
9h10m59s
